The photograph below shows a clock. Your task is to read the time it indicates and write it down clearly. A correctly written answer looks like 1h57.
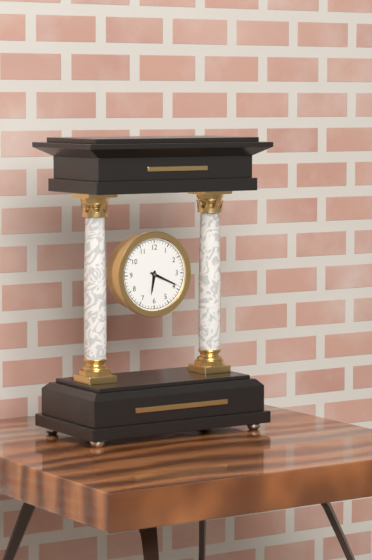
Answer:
6h19
